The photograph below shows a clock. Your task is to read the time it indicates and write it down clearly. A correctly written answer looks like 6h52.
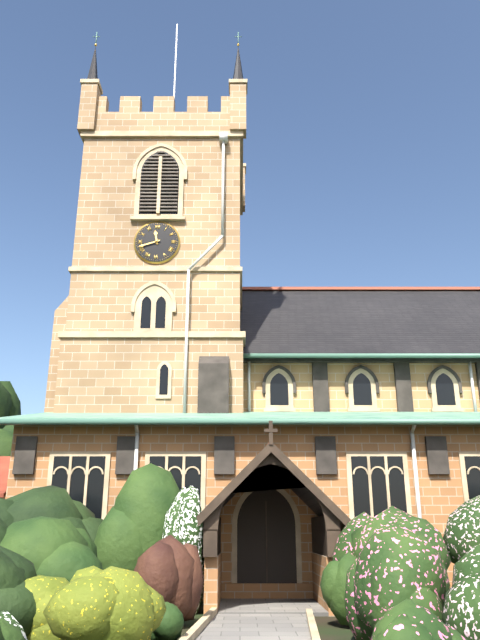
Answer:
11h42
